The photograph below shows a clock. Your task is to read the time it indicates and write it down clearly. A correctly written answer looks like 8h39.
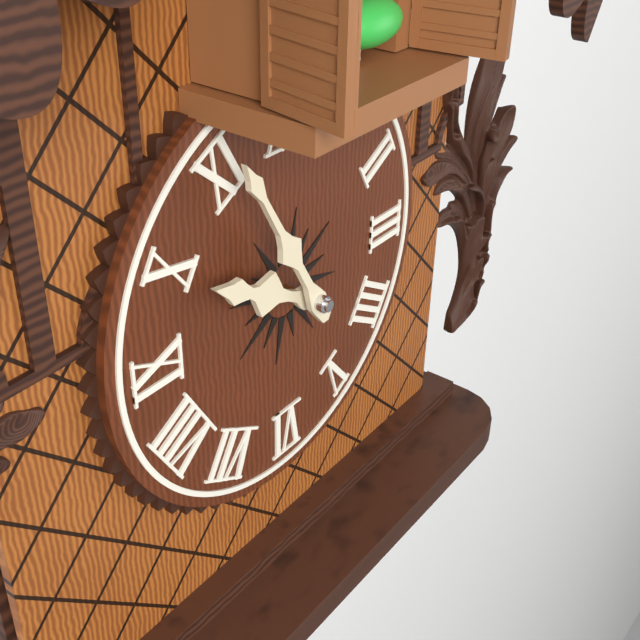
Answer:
9h55
